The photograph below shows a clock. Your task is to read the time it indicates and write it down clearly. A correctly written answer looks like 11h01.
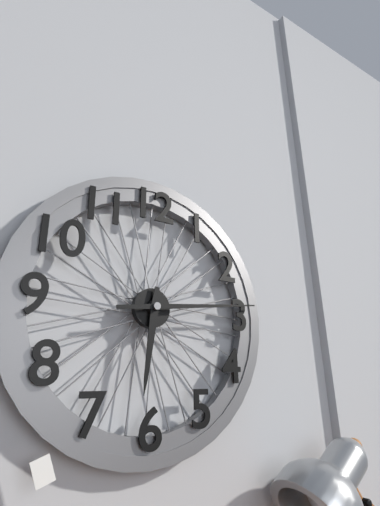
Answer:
6h14
